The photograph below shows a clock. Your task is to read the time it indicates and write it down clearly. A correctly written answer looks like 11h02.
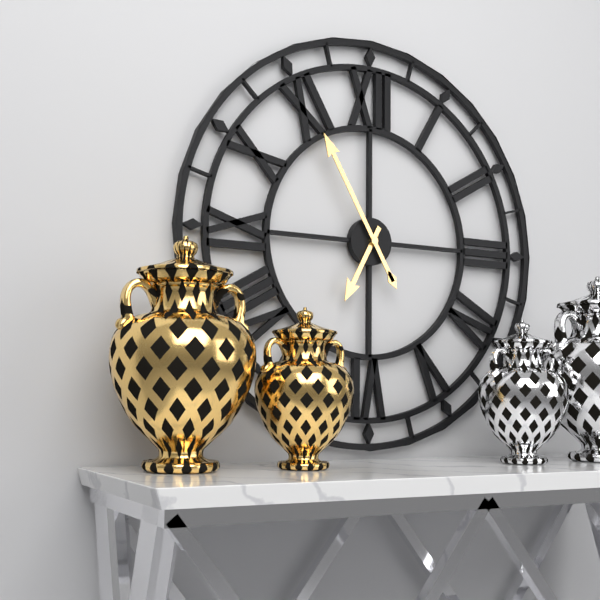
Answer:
6h55
